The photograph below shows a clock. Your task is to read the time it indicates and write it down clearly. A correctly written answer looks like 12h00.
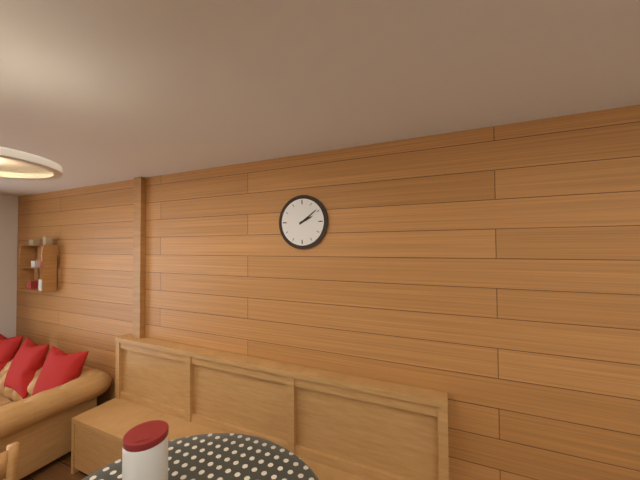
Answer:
2h09
